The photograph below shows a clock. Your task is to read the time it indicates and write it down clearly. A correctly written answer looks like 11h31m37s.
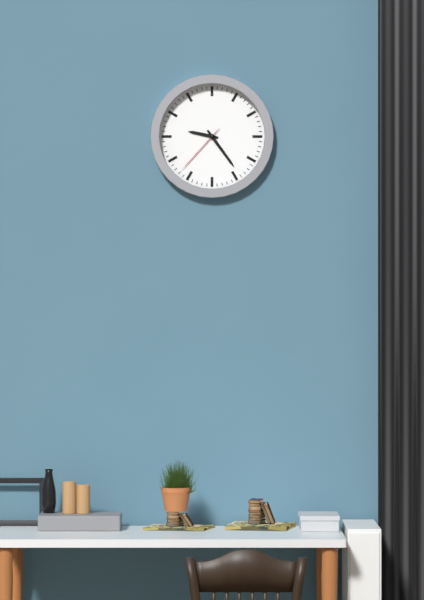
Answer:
9h24m37s
